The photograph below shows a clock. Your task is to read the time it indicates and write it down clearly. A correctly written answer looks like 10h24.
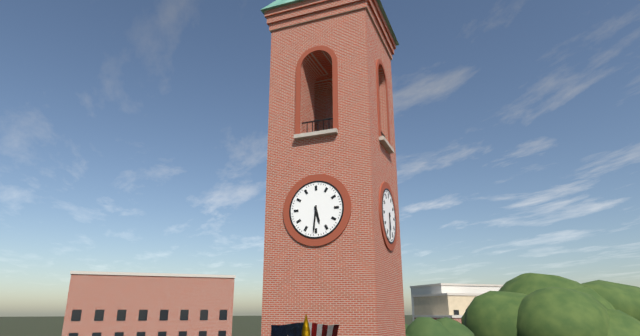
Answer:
5h31
